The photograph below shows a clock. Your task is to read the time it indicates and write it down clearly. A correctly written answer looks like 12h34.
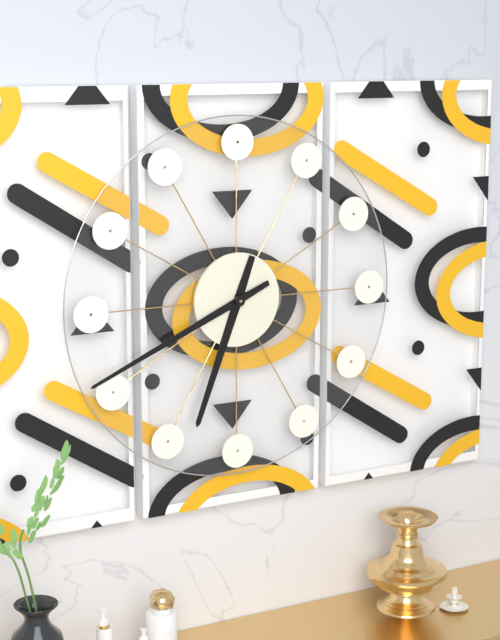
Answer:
6h41
